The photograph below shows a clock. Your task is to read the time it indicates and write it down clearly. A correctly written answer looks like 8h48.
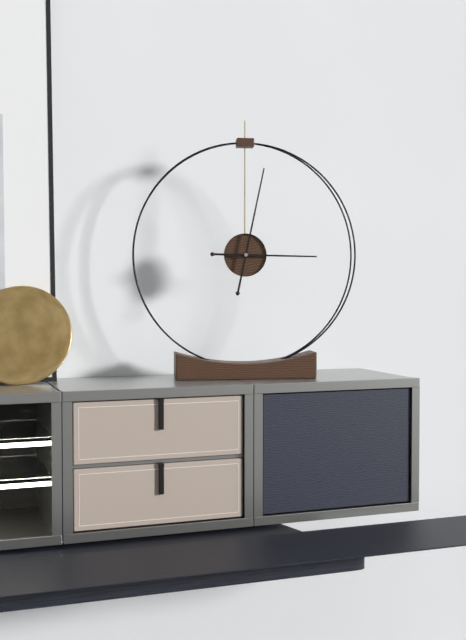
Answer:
3h02
